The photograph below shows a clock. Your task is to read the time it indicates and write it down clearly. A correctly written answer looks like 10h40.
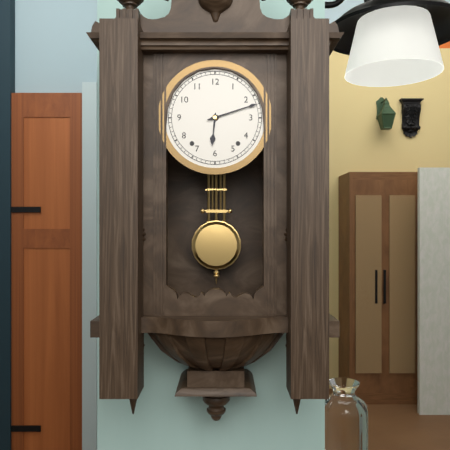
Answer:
6h12
